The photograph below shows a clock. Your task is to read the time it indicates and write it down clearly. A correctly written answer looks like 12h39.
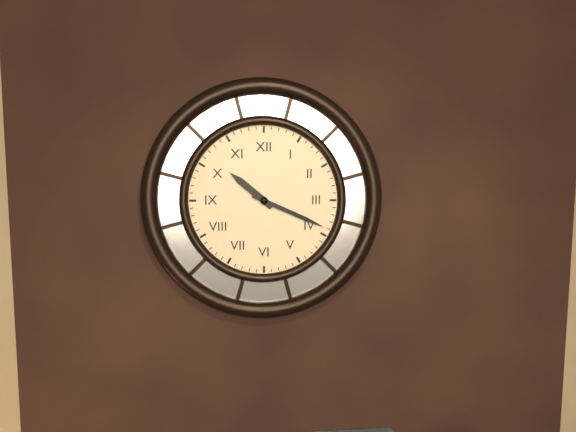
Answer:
10h19
